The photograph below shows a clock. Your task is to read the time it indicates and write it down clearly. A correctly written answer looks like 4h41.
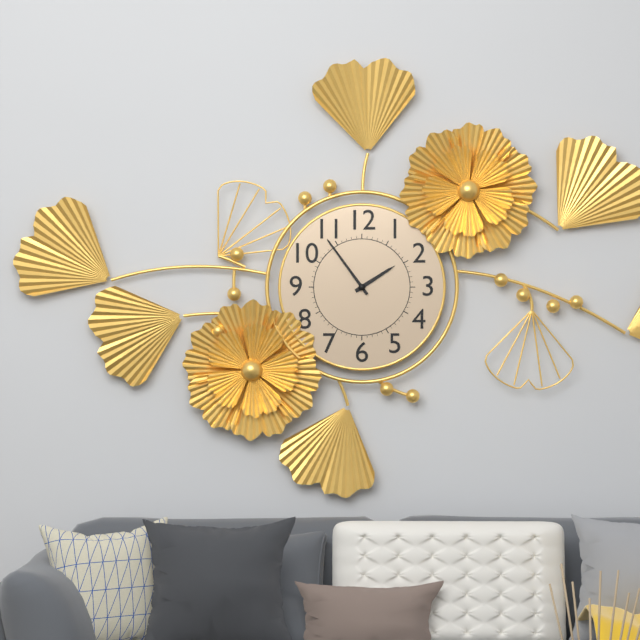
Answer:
1h54
